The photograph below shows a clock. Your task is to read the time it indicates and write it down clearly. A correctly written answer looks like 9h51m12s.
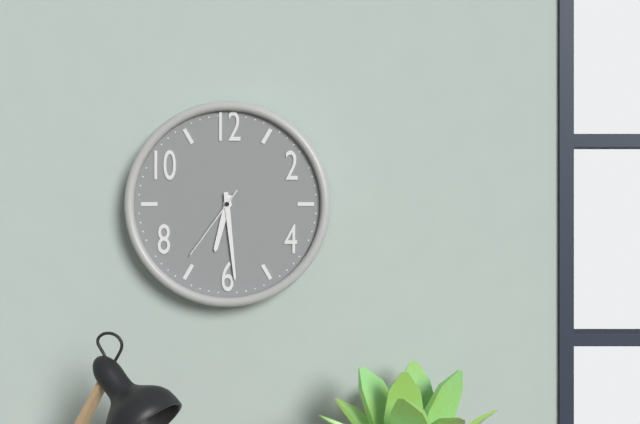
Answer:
6h29m36s
